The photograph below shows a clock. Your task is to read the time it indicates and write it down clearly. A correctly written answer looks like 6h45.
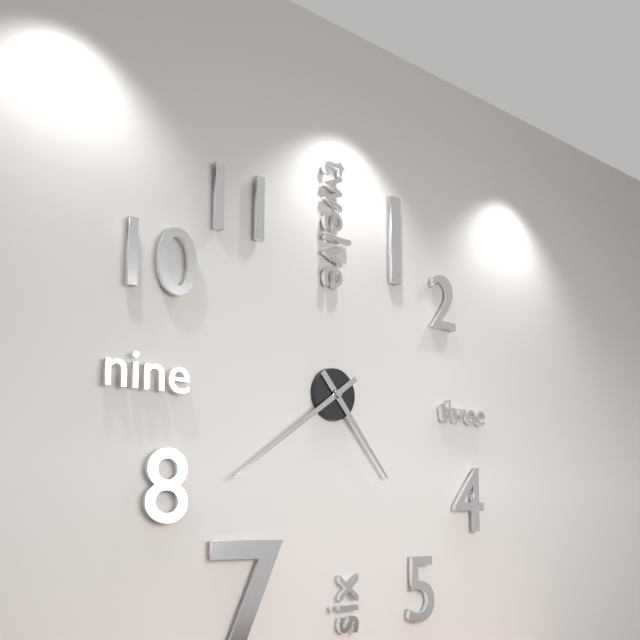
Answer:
4h39
